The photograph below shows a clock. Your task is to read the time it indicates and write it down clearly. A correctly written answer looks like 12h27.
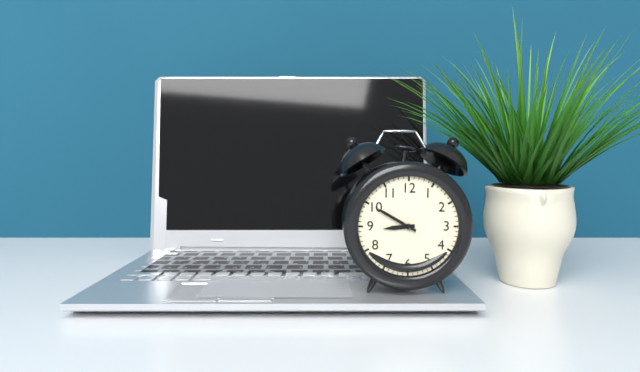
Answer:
8h50
